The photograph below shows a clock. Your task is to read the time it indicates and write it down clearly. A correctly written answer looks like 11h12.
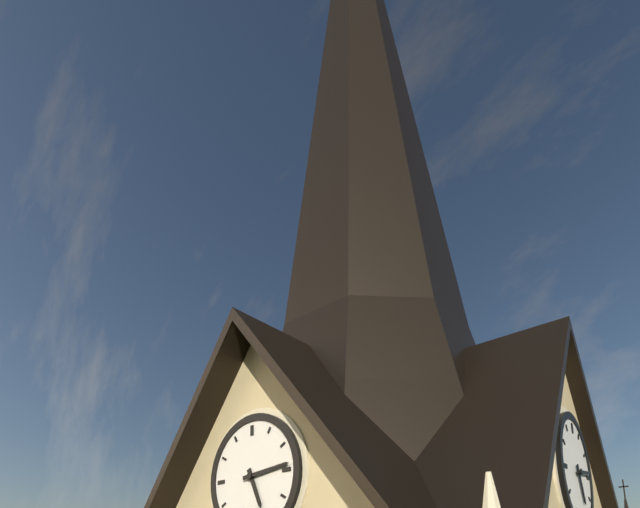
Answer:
5h14
